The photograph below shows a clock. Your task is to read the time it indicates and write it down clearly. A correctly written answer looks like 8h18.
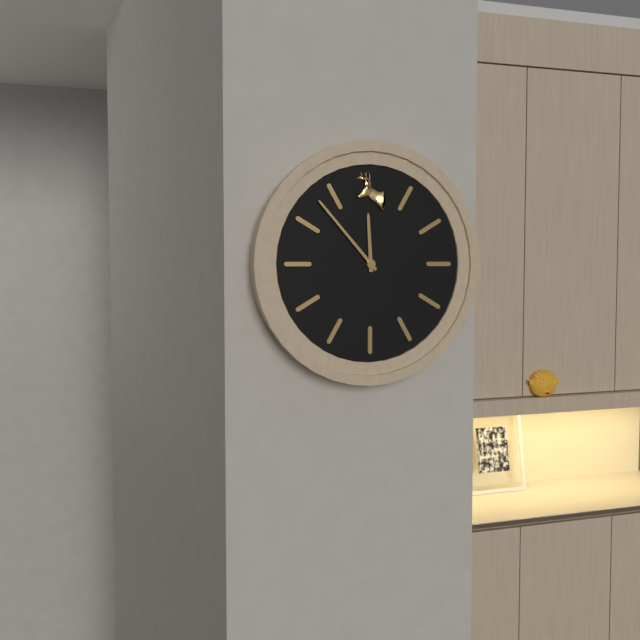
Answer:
11h53
